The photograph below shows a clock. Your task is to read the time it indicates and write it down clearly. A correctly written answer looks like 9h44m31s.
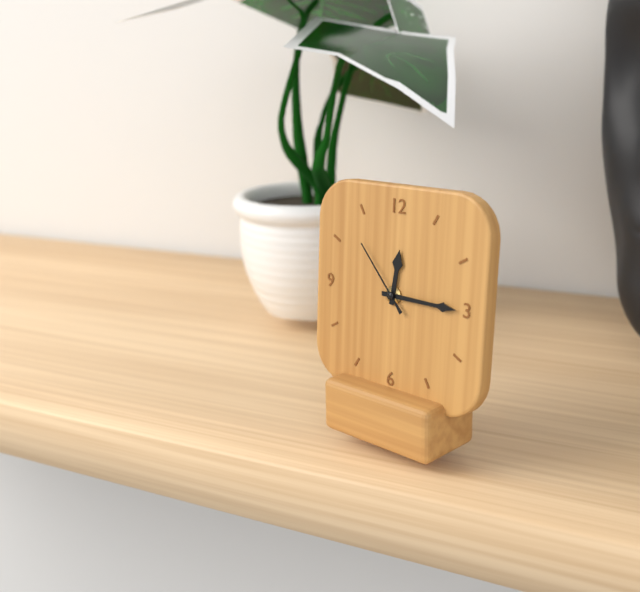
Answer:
12h15m53s
